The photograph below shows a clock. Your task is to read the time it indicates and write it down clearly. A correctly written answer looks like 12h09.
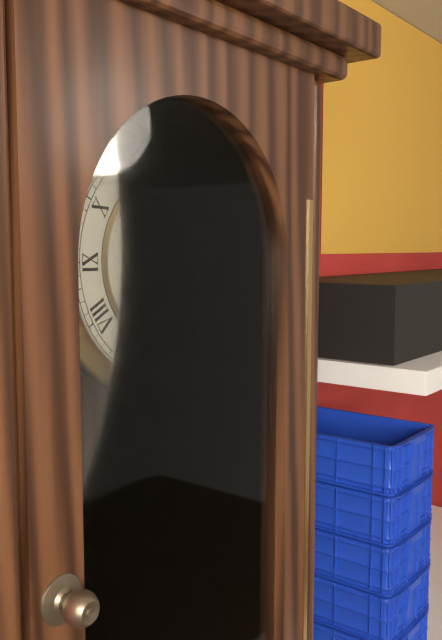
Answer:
5h16
